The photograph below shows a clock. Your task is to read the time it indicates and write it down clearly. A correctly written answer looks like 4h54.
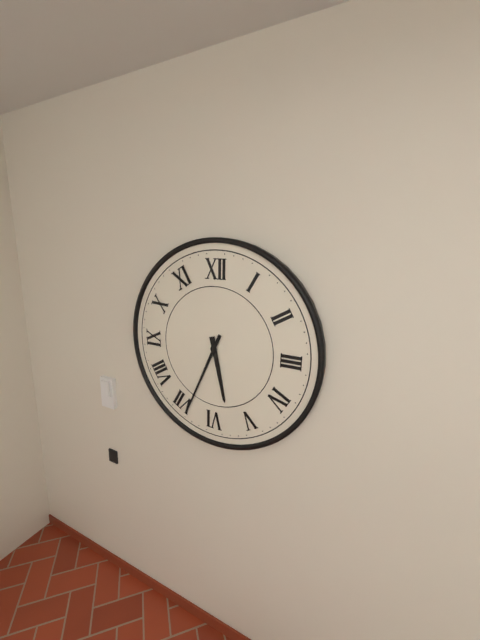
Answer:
5h34
